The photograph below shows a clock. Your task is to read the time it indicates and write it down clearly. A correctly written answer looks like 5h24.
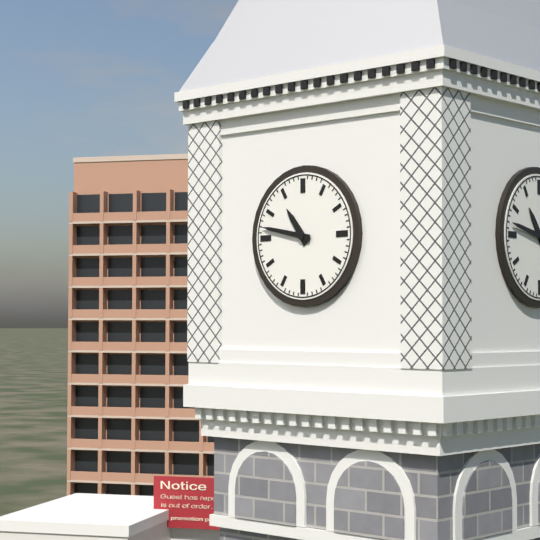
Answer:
10h47
